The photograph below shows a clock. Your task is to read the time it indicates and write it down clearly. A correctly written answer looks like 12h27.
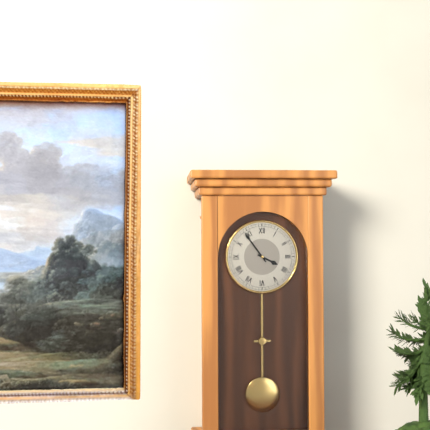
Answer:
3h54
